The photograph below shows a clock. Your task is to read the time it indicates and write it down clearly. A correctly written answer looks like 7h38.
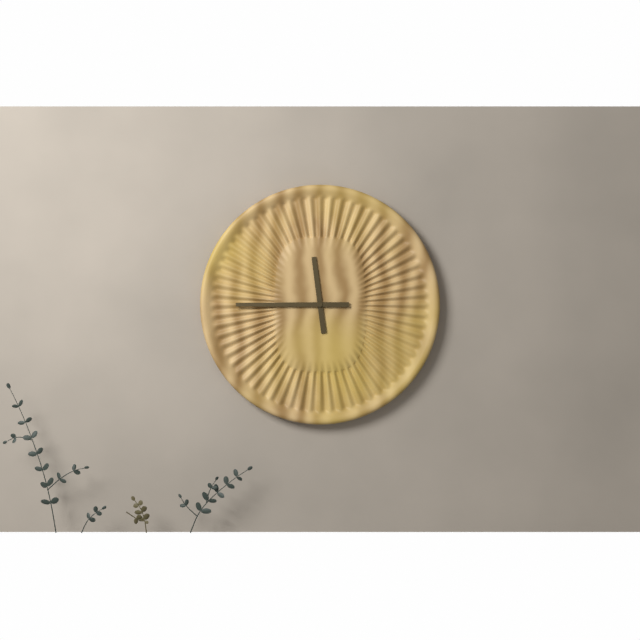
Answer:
11h45
